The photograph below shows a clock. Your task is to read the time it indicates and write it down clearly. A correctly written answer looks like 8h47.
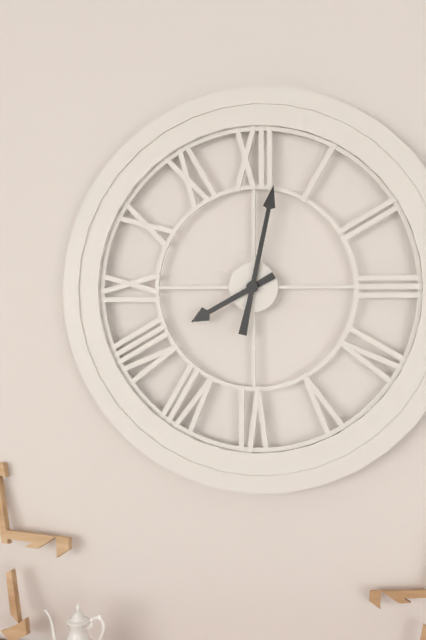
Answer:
8h02
